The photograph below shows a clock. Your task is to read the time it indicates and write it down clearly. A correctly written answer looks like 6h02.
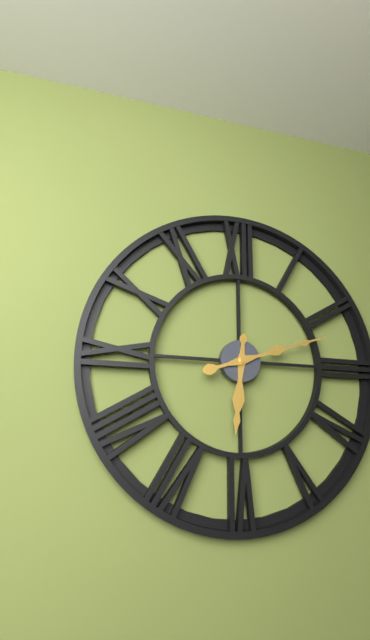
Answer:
6h12
